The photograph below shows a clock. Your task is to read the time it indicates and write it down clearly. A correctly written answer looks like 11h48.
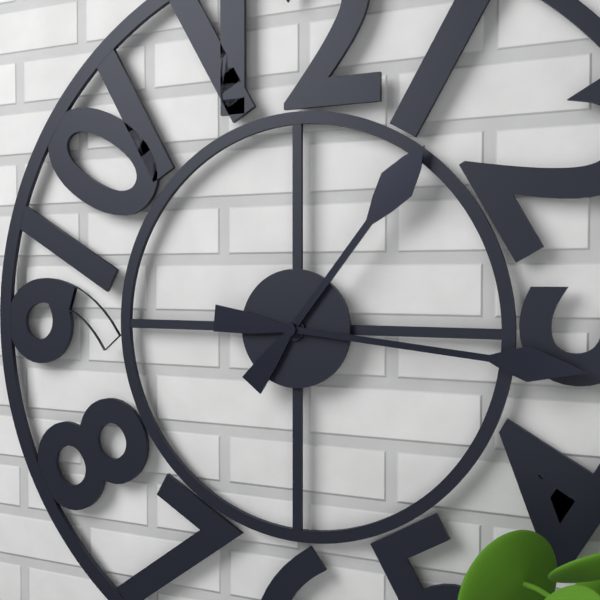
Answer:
1h16
